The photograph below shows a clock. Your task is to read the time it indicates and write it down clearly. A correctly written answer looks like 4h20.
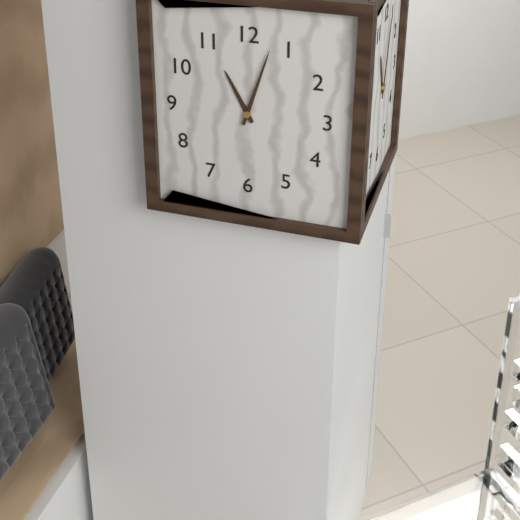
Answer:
11h03
